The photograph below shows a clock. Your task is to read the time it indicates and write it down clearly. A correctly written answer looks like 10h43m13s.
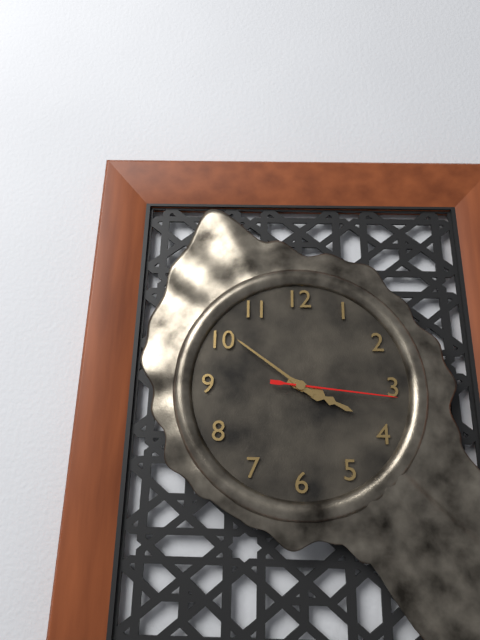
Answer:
3h51m16s
